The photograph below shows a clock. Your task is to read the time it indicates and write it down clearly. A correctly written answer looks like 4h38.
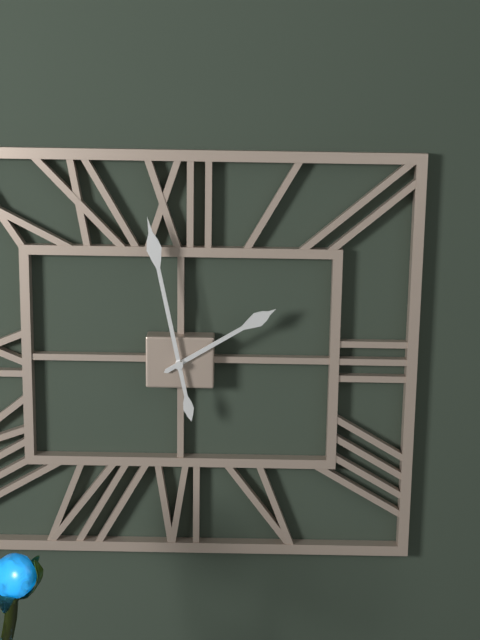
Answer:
1h58
